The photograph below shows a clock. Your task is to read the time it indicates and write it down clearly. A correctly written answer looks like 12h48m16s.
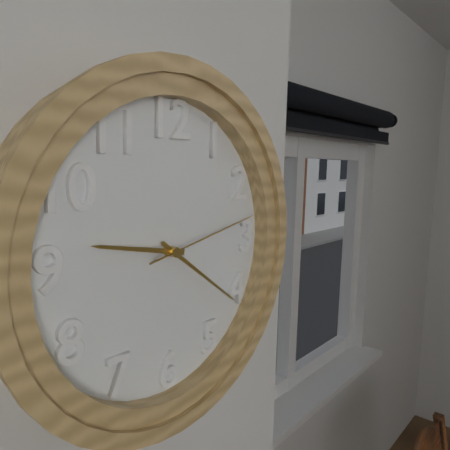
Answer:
9h21m13s
